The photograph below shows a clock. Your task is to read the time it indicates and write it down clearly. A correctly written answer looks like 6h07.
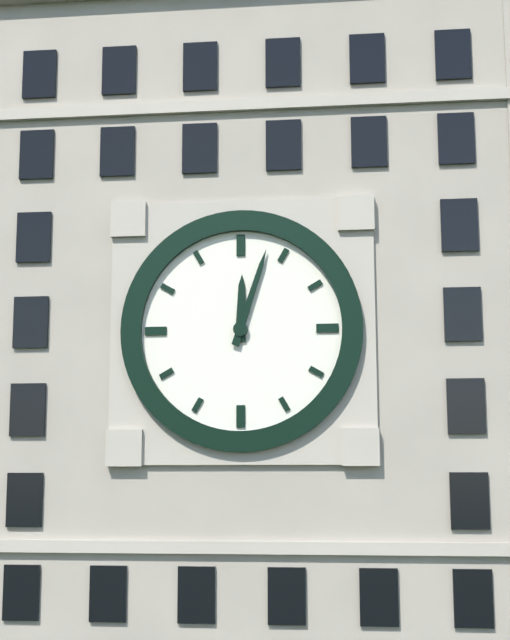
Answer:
12h03
